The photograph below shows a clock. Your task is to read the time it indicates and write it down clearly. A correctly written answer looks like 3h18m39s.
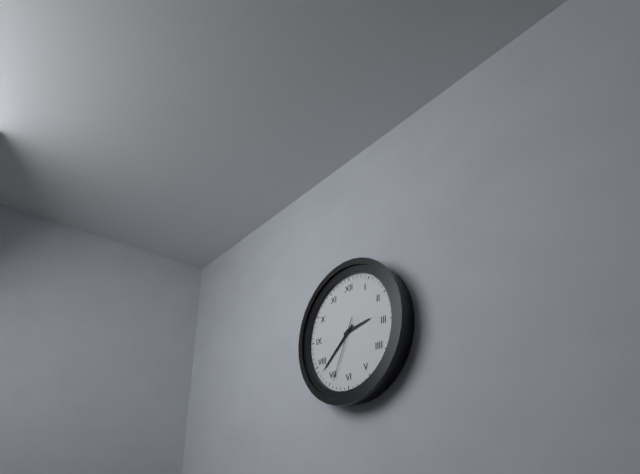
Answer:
2h38m34s
